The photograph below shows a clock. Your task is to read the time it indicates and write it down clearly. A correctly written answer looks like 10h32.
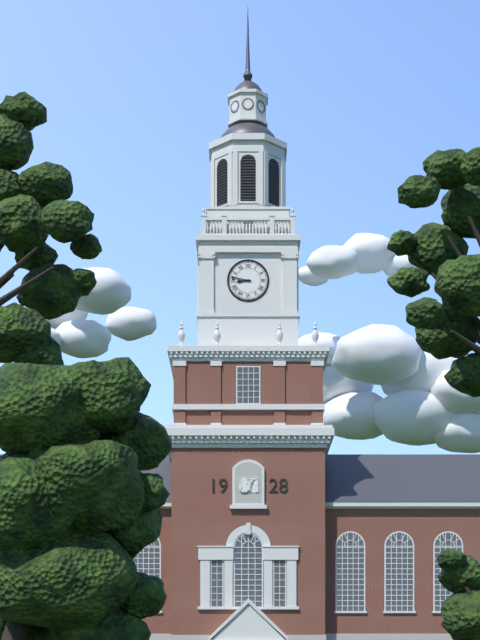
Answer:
8h47
